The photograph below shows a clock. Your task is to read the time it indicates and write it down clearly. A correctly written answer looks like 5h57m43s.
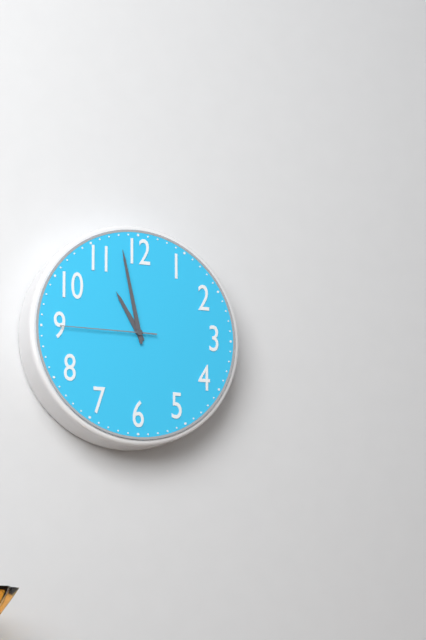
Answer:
10h58m45s
